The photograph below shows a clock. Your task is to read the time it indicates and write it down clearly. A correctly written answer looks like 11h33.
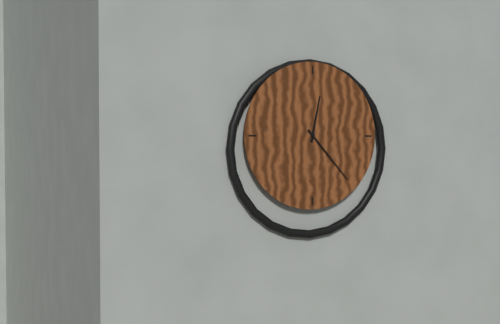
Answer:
12h23
